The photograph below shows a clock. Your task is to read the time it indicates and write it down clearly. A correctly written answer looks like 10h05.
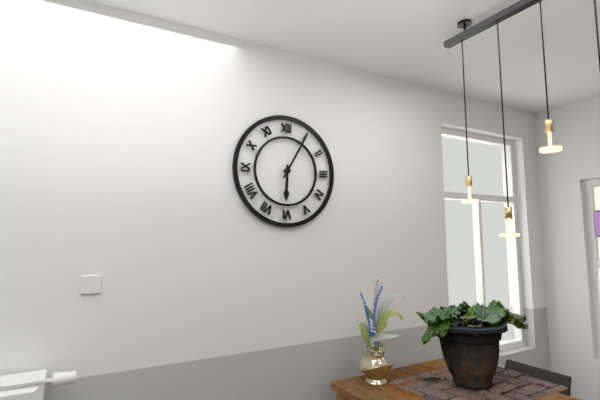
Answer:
6h05
